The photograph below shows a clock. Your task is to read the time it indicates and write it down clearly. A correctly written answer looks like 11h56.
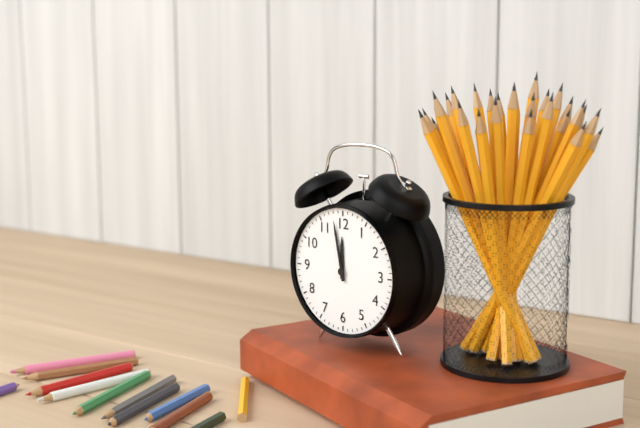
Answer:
11h58
